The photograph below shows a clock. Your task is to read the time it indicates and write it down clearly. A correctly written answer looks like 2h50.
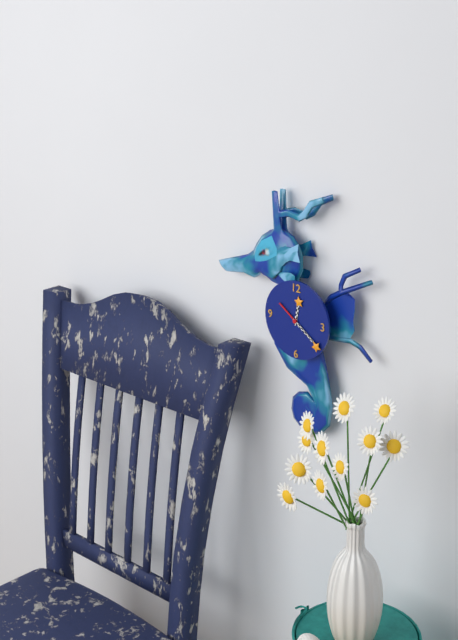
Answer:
12h21
